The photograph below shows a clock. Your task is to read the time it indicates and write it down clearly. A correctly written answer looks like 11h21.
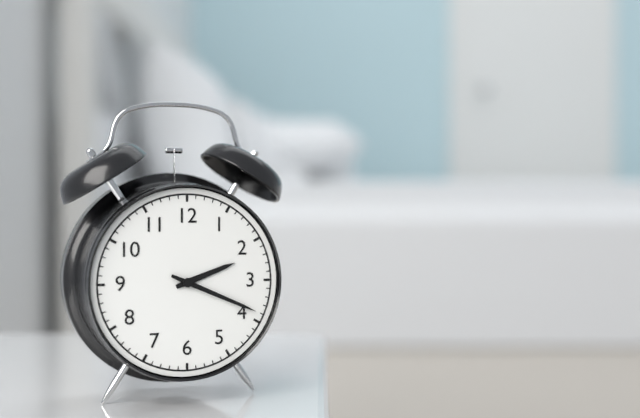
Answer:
2h19
